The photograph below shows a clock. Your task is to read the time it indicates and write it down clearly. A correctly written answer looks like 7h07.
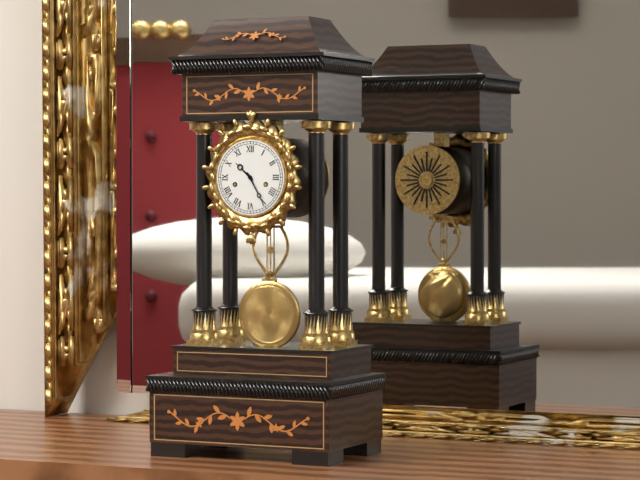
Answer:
10h25
